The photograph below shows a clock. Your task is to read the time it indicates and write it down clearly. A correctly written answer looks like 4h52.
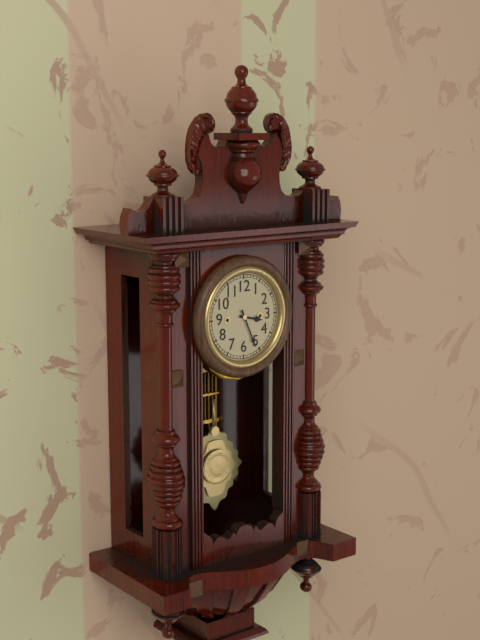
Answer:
3h26
